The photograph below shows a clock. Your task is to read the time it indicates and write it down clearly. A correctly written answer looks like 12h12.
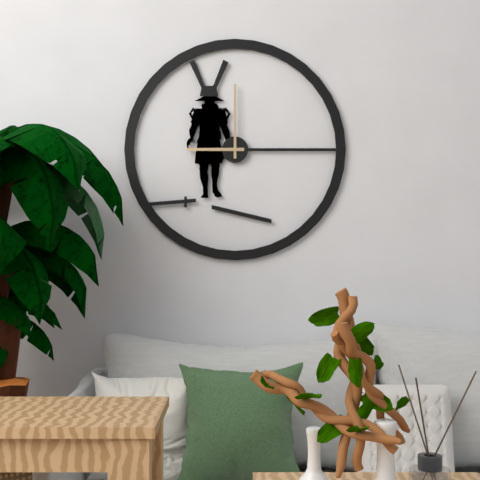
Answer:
9h00
